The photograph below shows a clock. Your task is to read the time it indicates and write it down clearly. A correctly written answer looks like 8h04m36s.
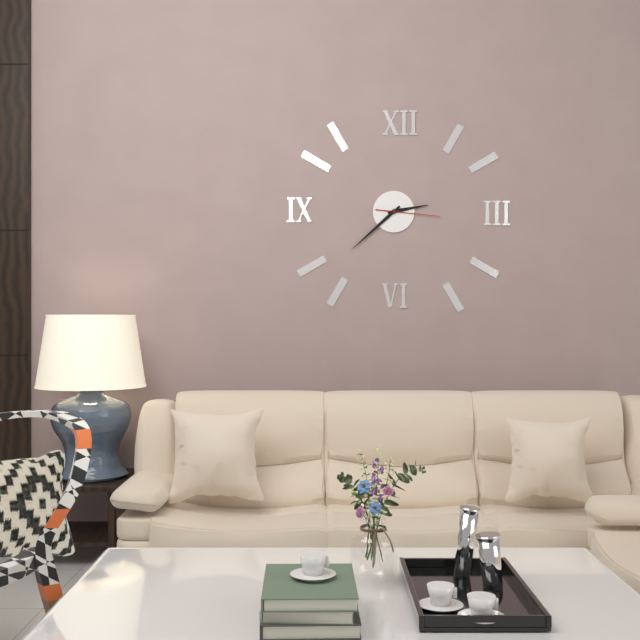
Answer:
2h38m16s
